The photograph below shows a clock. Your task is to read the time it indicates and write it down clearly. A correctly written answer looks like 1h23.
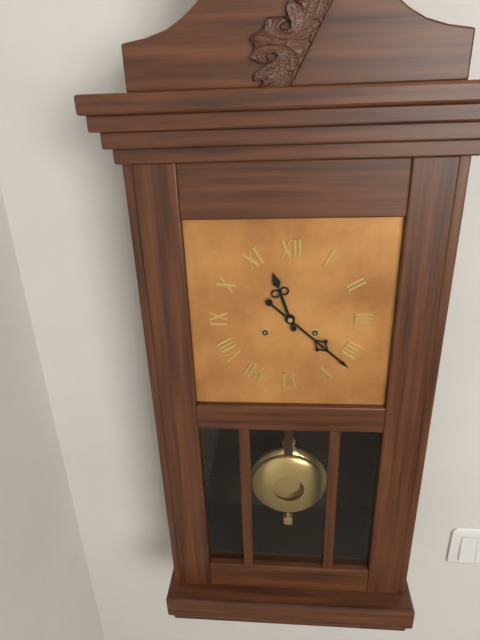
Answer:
11h22
